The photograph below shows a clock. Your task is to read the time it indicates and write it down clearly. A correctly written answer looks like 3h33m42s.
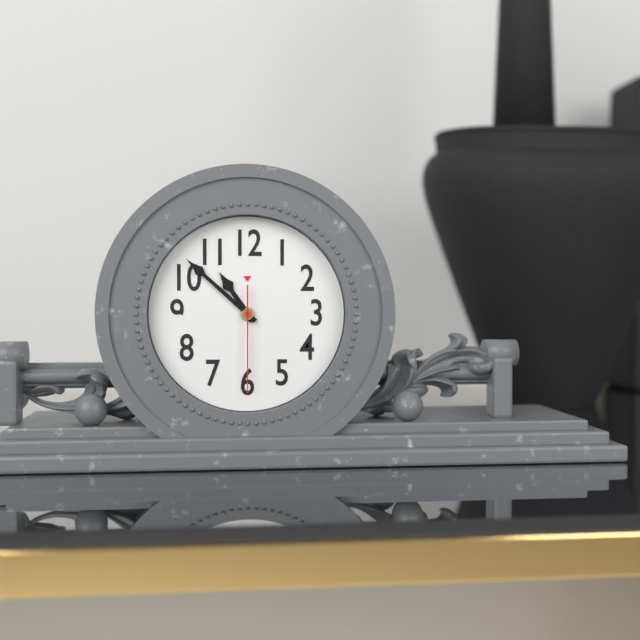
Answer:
10h52m30s
